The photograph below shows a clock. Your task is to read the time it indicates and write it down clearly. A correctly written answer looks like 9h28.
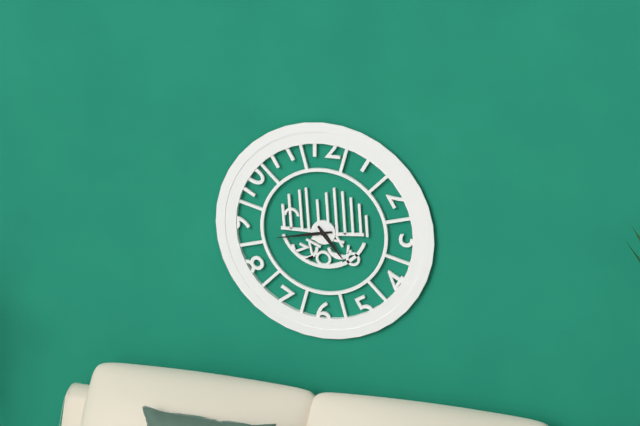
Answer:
4h43
